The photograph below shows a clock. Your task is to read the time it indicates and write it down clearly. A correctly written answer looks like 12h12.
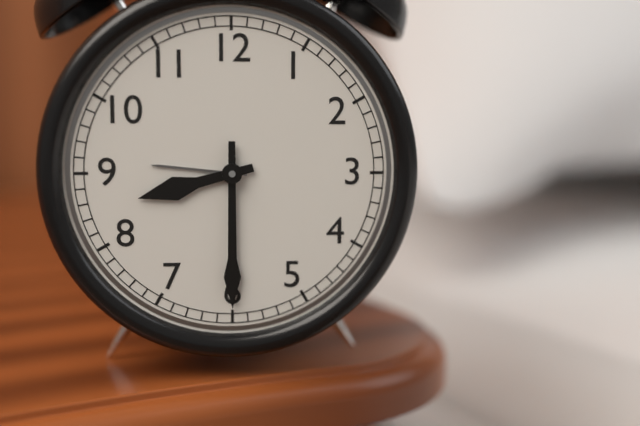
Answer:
8h30
